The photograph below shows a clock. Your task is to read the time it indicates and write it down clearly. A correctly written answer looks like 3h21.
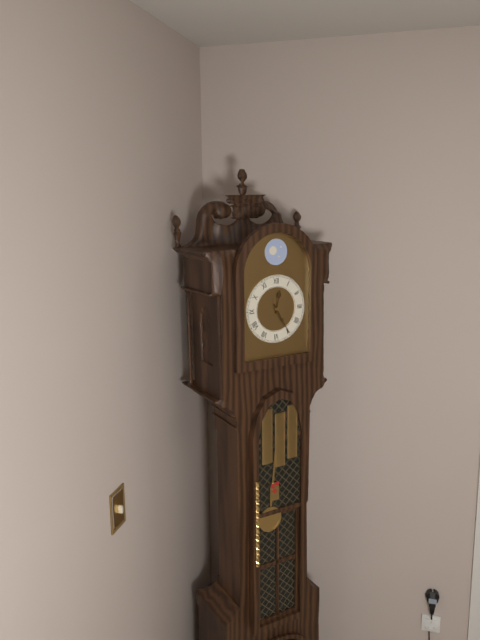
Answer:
12h25
